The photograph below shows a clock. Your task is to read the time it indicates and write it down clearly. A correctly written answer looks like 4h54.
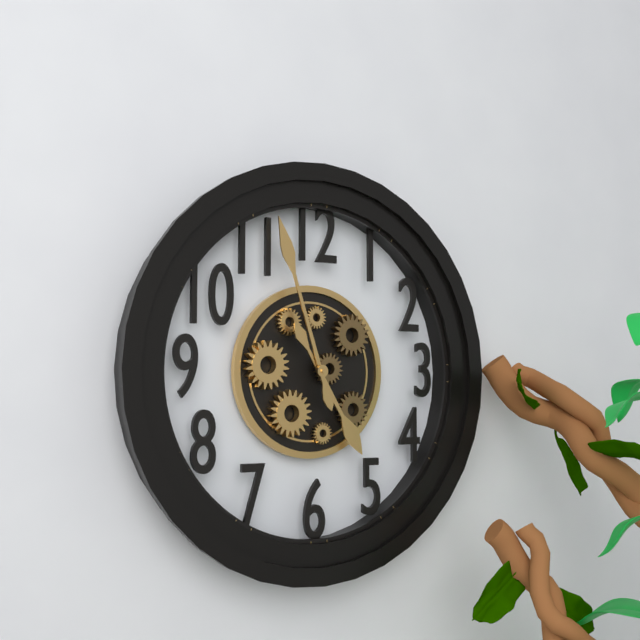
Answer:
4h57
